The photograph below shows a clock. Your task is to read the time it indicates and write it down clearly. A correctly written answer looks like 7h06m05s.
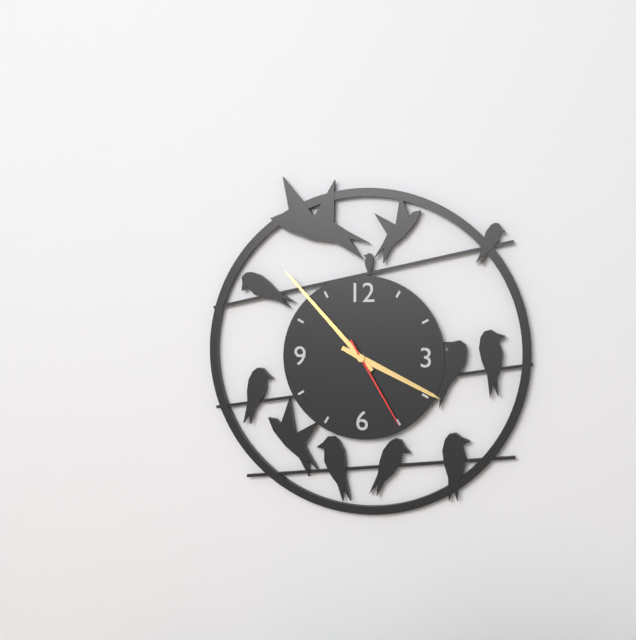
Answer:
3h53m25s
